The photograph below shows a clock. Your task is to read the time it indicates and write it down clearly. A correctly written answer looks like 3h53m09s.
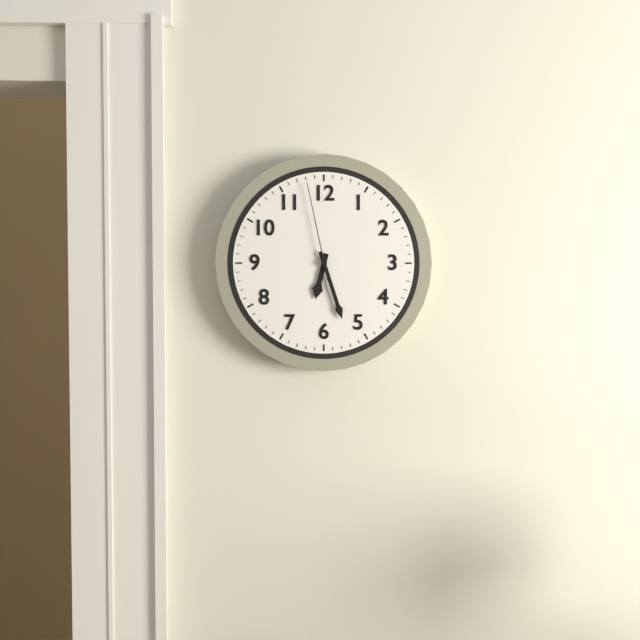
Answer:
6h27m58s
